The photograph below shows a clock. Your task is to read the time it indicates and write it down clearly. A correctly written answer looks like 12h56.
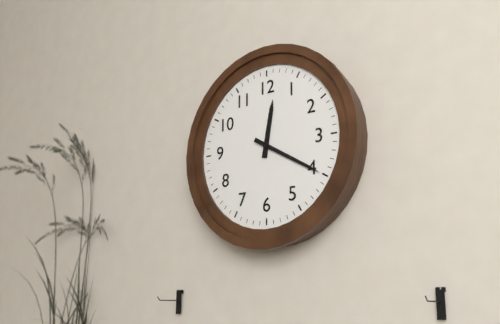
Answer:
12h20
